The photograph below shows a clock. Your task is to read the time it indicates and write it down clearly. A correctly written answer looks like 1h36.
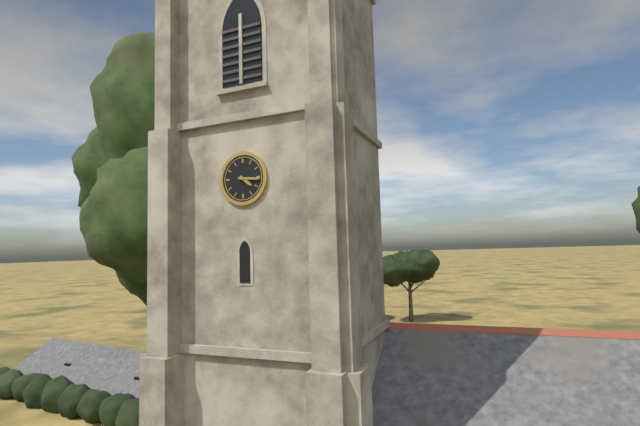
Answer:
4h16
